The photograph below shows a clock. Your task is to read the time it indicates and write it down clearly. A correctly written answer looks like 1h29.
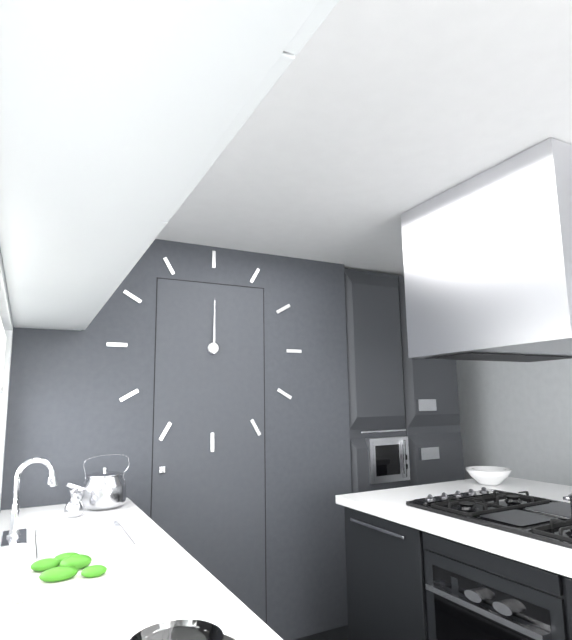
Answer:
12h00
